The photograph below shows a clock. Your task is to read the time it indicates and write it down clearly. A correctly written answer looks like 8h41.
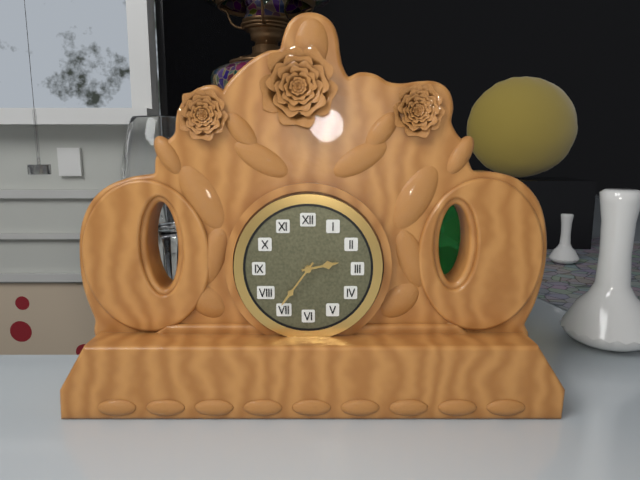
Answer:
2h36
